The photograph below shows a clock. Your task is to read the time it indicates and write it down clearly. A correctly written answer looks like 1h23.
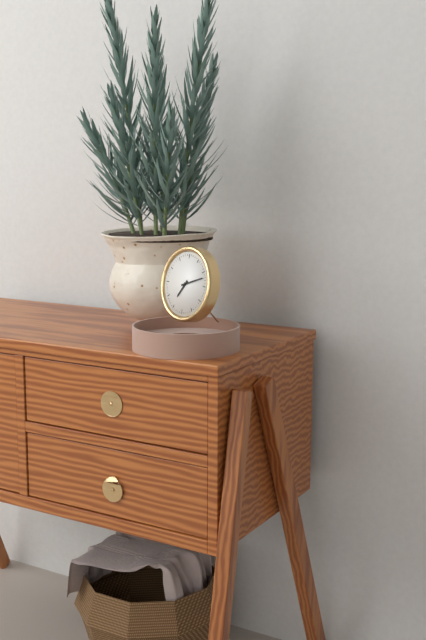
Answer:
7h12
